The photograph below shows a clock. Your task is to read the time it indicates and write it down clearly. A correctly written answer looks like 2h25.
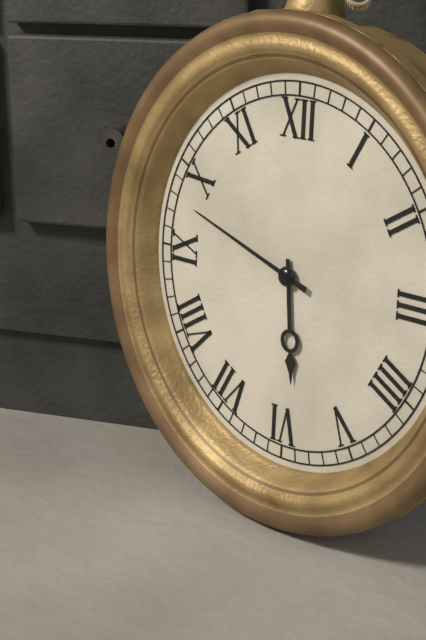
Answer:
5h48
